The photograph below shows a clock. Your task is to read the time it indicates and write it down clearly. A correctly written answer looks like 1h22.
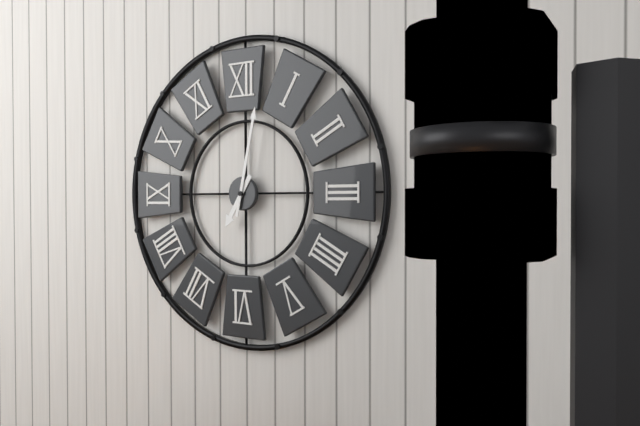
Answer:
7h02
